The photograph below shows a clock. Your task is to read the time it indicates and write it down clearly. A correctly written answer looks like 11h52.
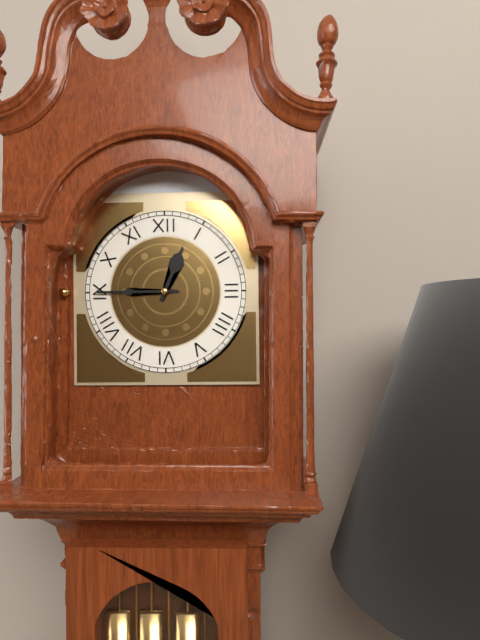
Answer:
12h45
